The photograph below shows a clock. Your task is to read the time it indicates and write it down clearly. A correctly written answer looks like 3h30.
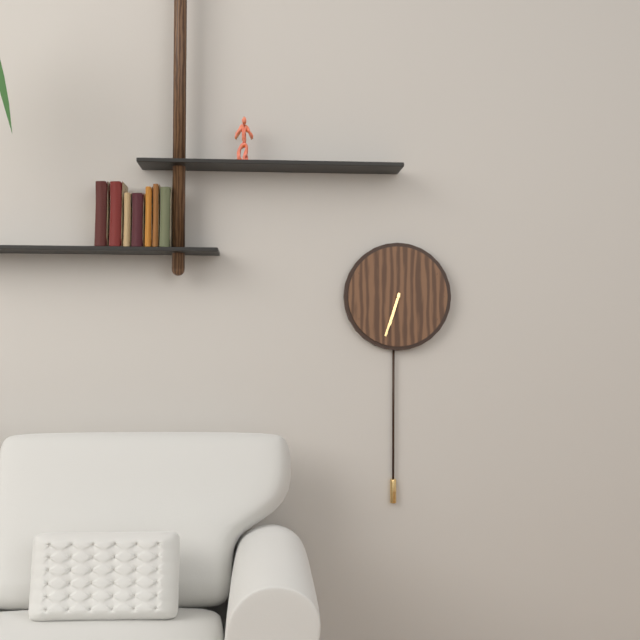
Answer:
6h33
